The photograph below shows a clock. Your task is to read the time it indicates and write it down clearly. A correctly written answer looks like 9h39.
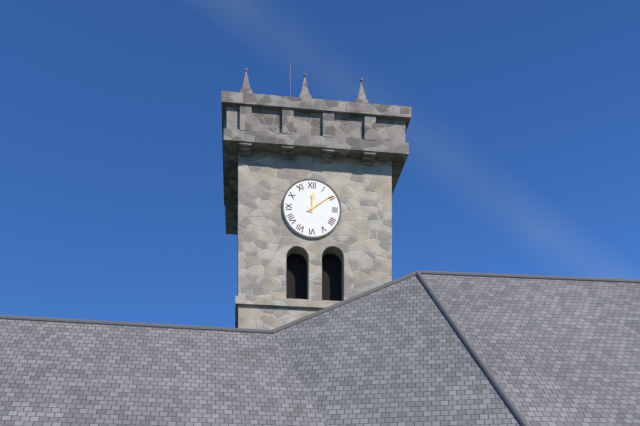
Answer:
12h09
